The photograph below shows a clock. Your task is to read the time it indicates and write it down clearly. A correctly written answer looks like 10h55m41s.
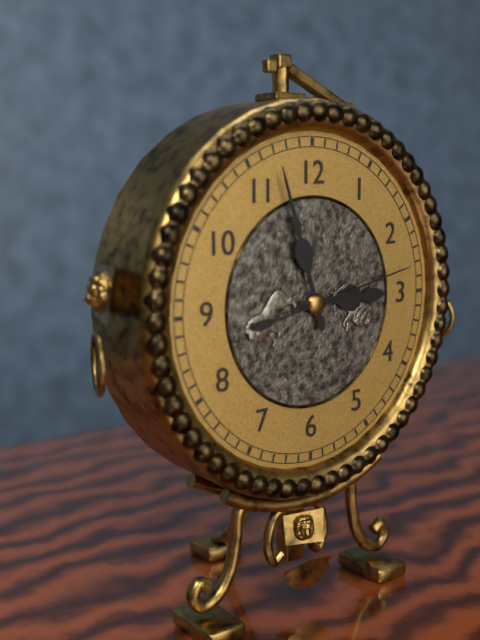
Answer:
2h57m13s
